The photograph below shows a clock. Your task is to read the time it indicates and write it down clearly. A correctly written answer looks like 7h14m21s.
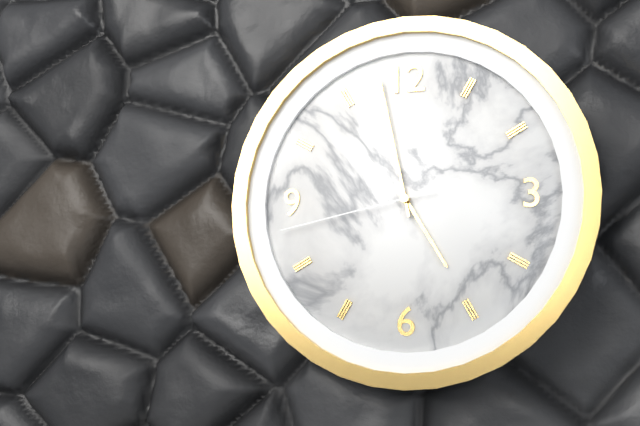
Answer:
4h58m43s
